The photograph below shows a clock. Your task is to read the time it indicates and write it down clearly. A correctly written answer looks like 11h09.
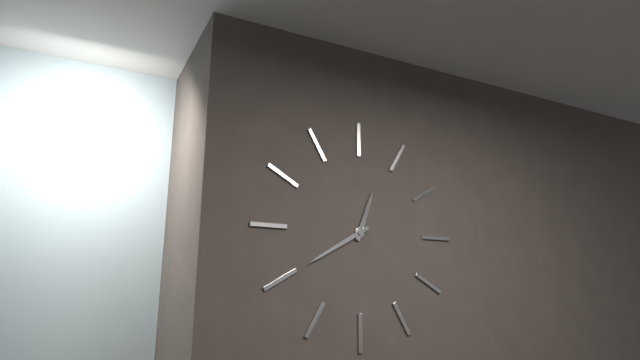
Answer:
12h40
